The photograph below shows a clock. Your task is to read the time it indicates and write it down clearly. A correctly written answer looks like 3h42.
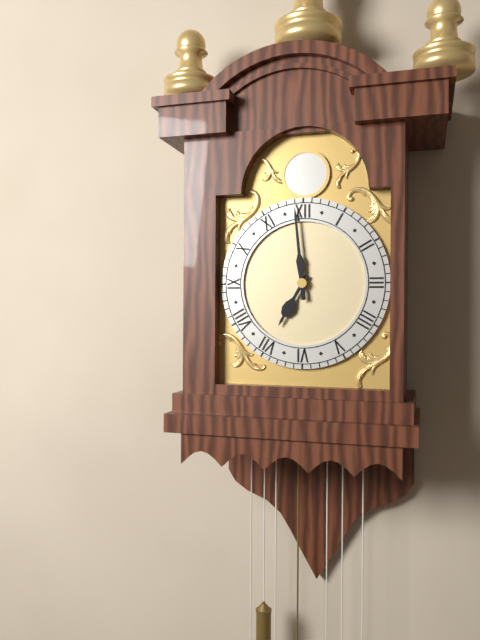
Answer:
6h59
